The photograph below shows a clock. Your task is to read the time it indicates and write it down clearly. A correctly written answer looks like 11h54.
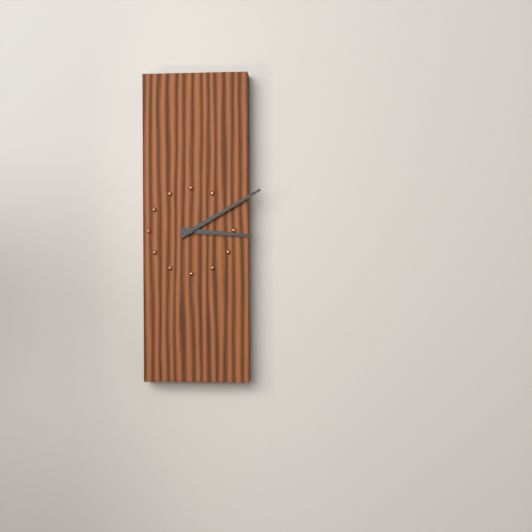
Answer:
3h10
